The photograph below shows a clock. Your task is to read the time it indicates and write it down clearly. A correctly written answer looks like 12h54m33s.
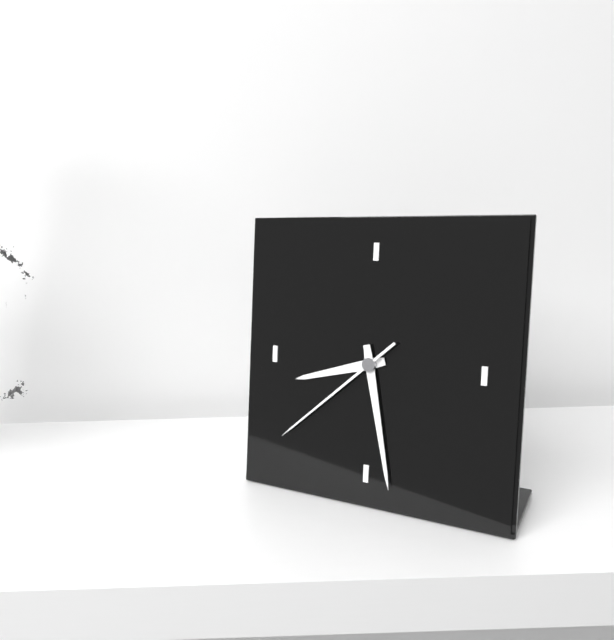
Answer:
8h28m38s
